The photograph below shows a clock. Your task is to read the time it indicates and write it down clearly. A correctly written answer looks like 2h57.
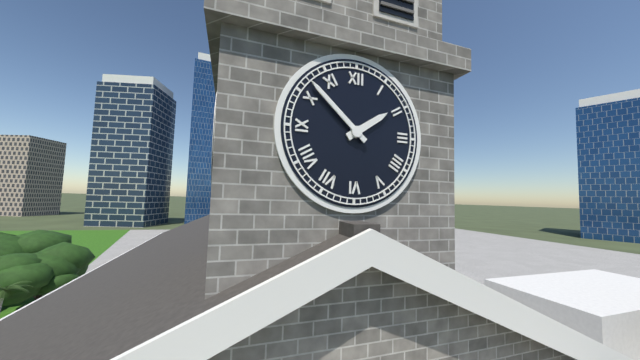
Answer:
1h52
